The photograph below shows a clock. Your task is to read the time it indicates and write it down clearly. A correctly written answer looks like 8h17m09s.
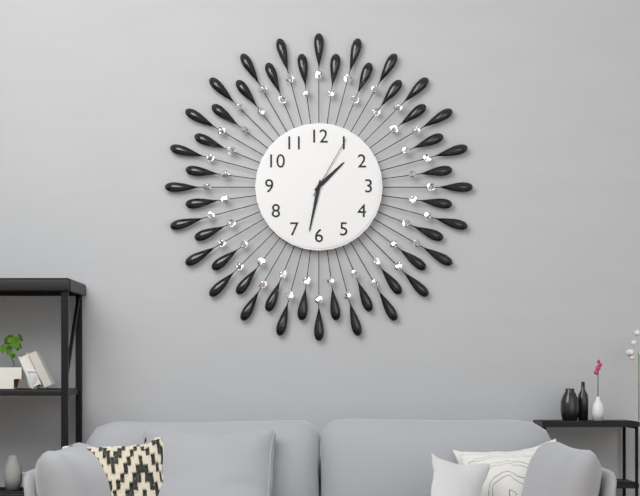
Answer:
1h32m05s
